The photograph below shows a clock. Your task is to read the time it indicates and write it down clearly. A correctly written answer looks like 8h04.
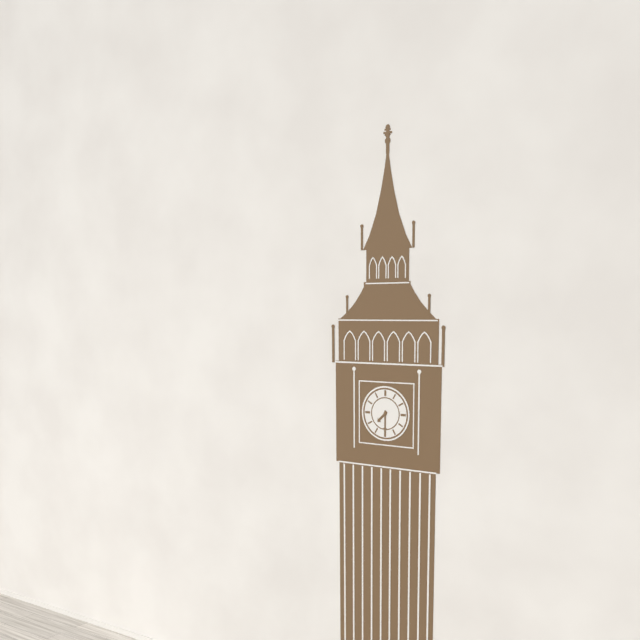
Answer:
7h30
